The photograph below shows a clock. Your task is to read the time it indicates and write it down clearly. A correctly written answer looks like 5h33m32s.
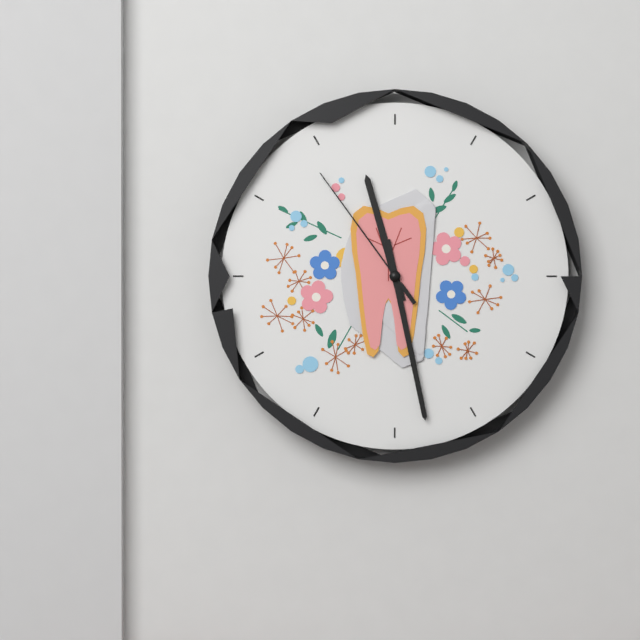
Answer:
11h28m54s
